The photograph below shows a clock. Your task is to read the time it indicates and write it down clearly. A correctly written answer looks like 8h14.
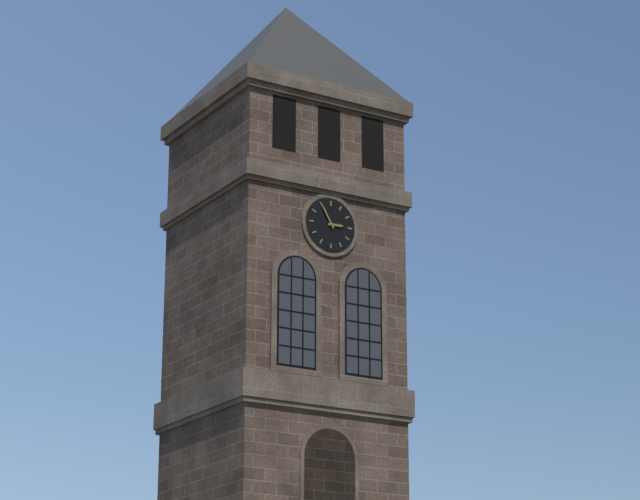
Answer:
2h55
